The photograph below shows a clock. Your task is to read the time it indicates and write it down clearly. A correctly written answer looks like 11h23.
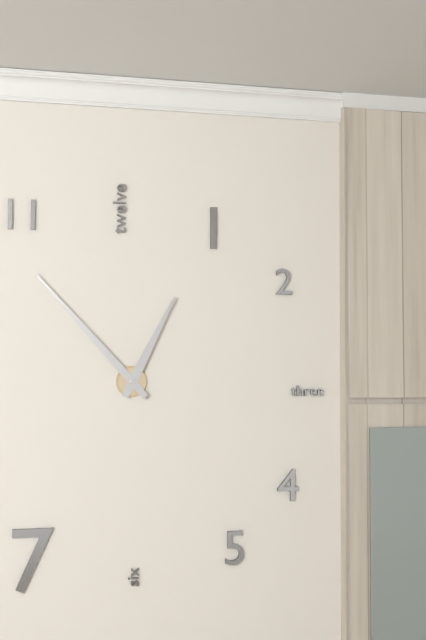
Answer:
12h53
